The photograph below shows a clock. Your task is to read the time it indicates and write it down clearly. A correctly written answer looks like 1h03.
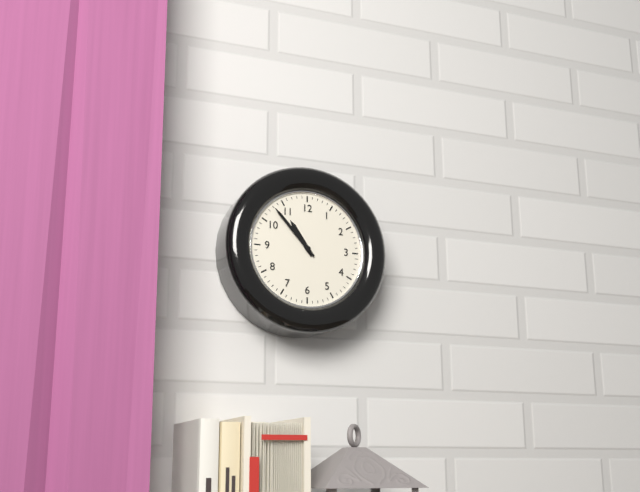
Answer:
10h53
